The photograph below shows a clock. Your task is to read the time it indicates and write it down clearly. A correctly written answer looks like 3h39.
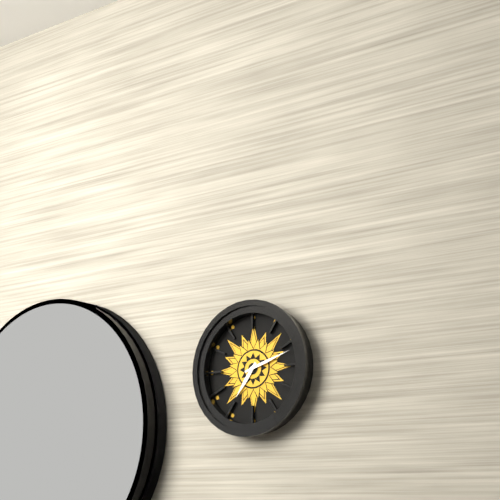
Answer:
7h12
